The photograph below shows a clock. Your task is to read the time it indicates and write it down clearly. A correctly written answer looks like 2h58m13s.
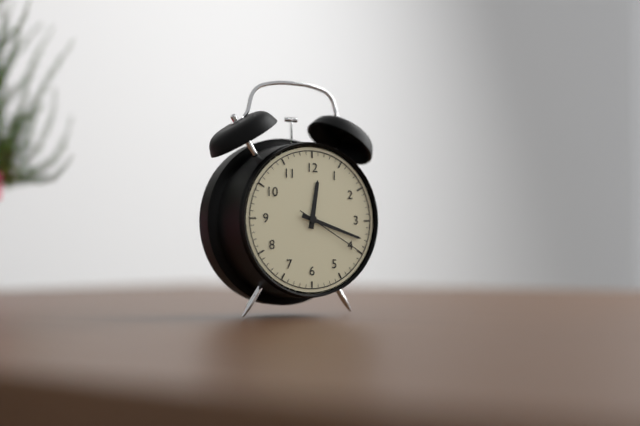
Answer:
12h18m20s
